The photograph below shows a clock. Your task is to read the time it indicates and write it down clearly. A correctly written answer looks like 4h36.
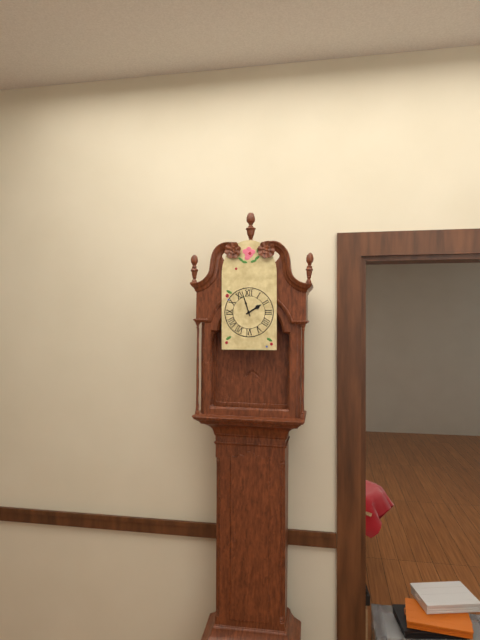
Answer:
1h57
